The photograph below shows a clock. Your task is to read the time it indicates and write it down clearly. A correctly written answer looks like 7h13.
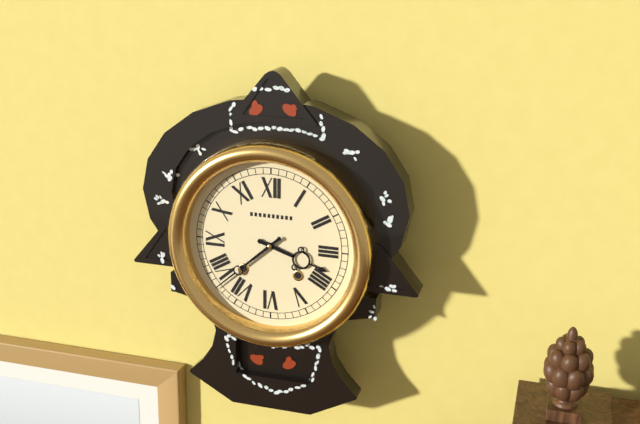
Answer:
3h38
